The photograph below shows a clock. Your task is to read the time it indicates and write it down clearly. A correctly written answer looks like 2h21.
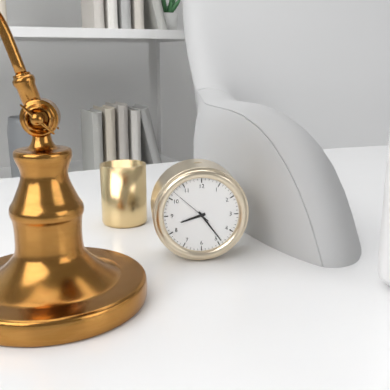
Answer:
8h24
